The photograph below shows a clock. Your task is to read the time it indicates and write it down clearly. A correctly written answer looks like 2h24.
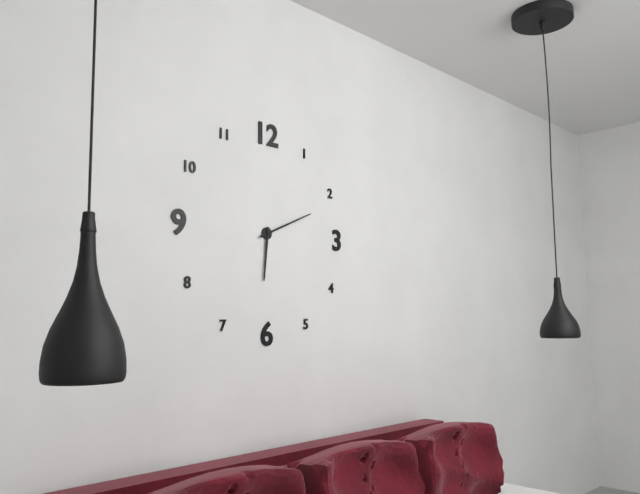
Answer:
6h11
